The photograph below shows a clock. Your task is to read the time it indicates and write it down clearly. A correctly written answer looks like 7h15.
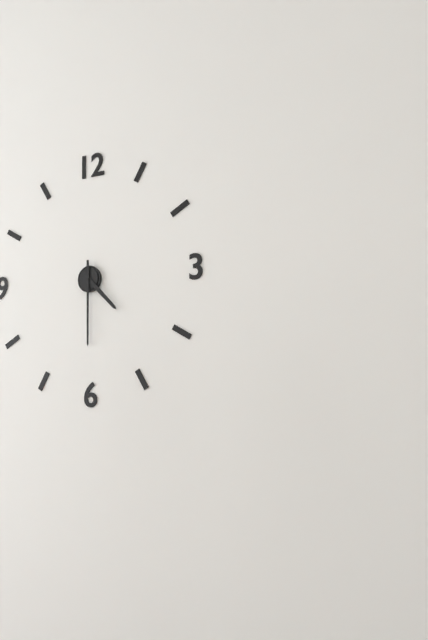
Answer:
4h30
